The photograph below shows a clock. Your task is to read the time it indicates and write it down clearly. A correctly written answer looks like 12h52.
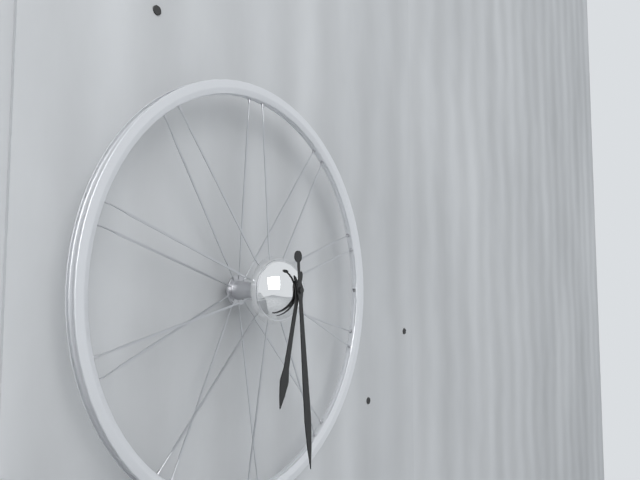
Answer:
6h29
